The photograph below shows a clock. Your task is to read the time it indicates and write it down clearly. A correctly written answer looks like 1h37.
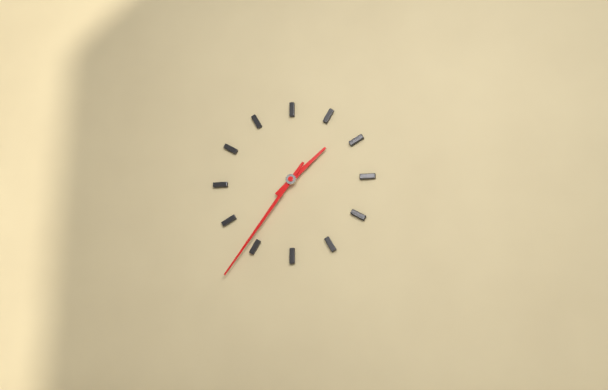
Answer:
1h36
